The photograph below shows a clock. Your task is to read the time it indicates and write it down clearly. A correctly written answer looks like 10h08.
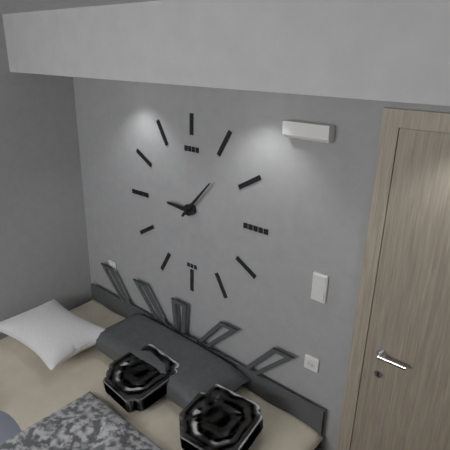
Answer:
9h07
